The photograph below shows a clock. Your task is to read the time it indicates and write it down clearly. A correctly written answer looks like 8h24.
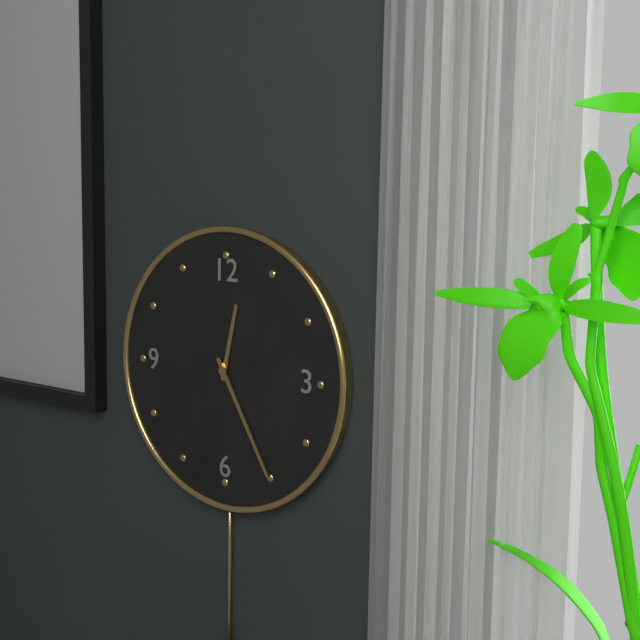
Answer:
12h25
